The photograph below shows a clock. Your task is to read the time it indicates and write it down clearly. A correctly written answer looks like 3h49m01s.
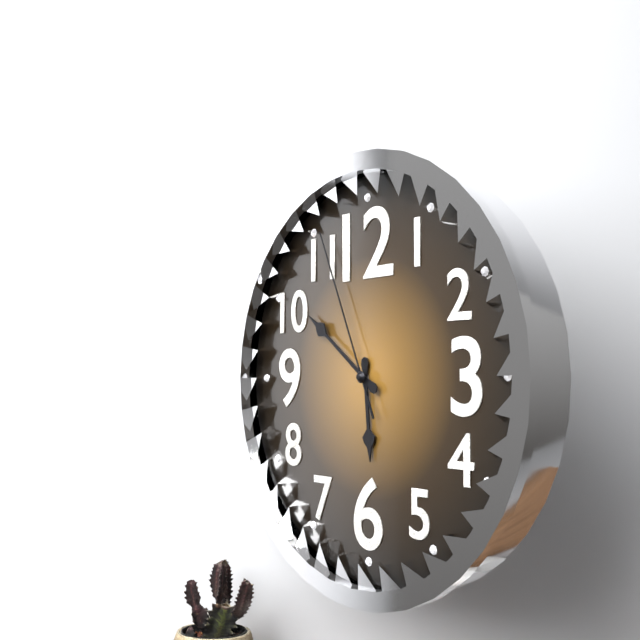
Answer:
5h51m56s
